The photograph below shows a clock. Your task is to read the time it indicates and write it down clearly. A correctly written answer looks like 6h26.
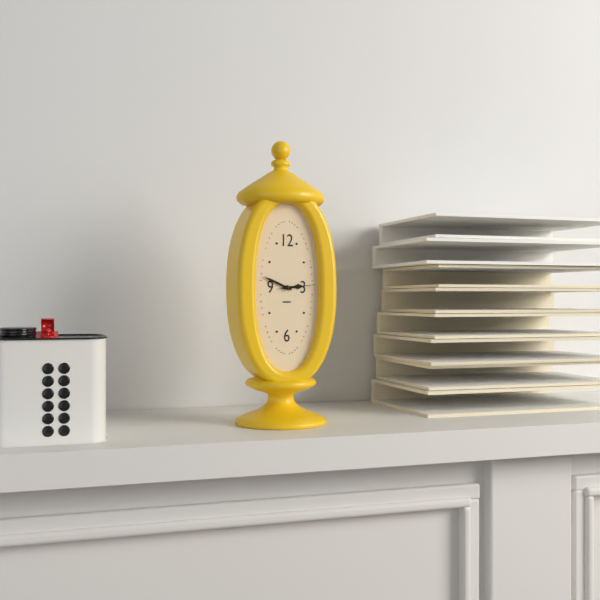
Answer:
2h49
